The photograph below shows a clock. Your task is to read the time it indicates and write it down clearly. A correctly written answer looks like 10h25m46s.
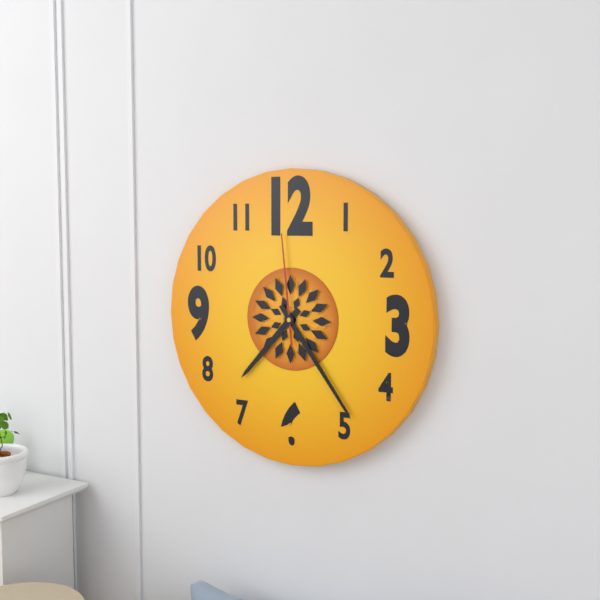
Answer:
7h24m59s
